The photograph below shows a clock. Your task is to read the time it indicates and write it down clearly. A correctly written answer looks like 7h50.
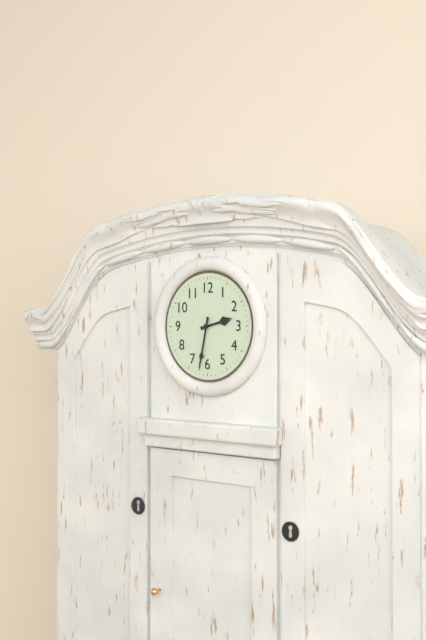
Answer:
2h32
